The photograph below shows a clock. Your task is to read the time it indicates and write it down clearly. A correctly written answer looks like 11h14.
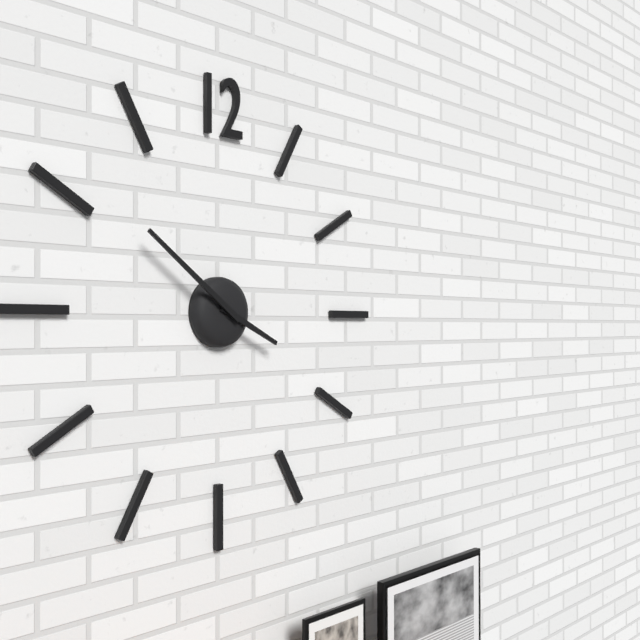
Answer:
3h51
